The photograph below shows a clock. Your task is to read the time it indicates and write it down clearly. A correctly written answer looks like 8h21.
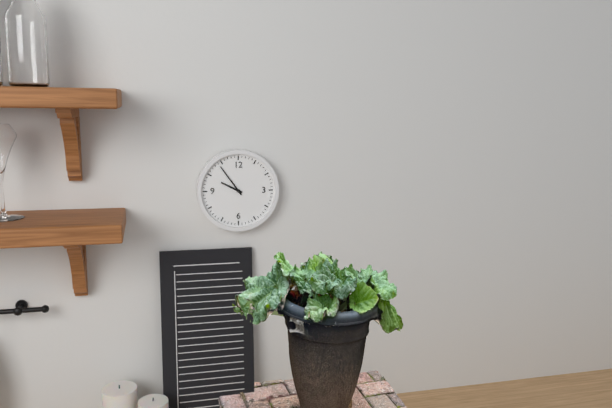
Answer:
9h54
